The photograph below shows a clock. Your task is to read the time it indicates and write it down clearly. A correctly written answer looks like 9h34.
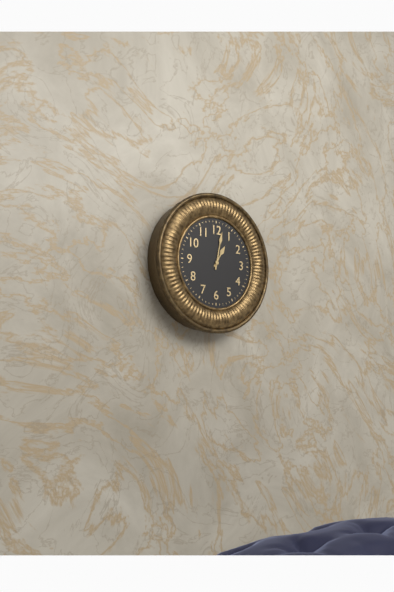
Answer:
1h02
